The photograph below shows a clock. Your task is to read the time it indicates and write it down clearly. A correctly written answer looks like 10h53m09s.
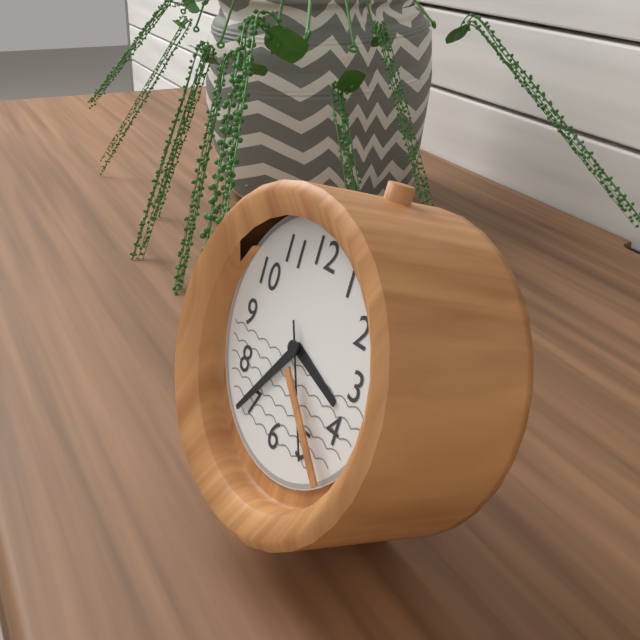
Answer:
3h36m25s
